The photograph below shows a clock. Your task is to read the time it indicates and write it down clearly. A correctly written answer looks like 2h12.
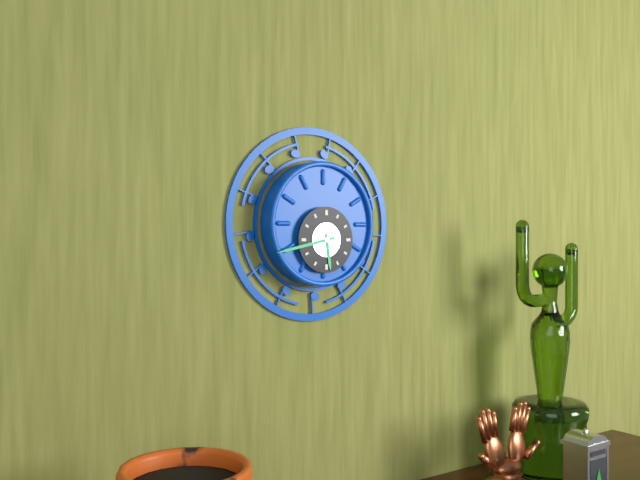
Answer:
5h43
